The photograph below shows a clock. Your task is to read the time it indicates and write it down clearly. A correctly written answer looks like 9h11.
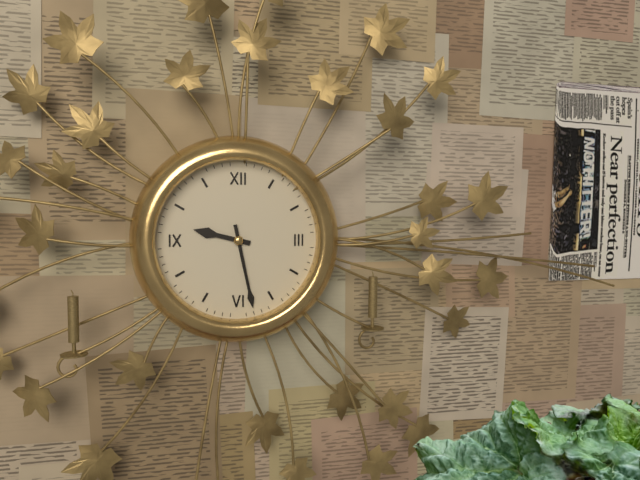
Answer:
9h28
